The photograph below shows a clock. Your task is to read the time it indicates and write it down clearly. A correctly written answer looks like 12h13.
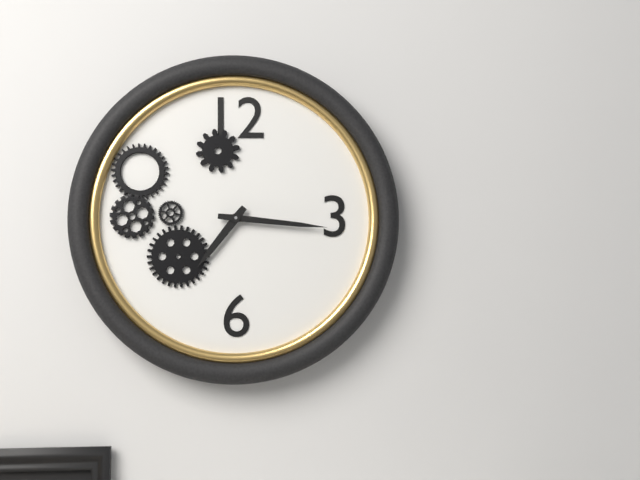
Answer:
7h16
